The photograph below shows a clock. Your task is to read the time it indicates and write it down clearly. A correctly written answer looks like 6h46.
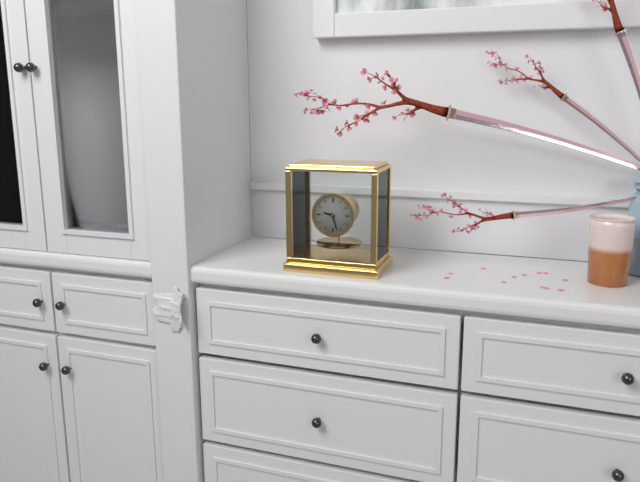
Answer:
9h27
